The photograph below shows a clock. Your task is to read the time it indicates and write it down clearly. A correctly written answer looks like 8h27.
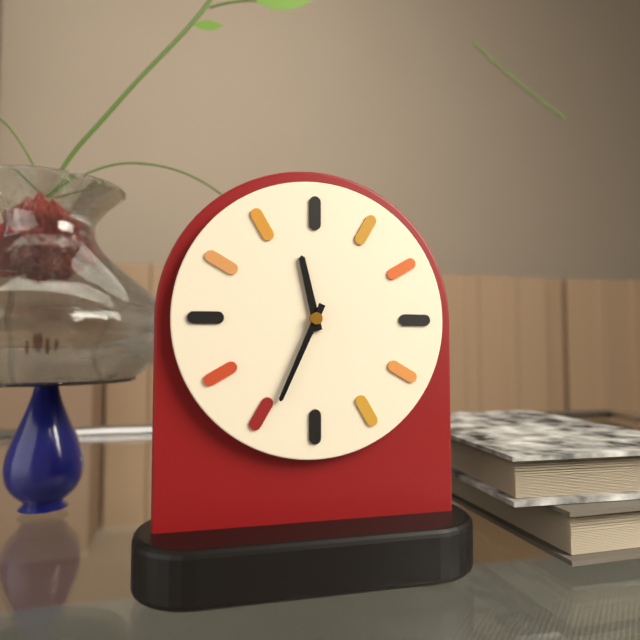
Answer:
11h34
